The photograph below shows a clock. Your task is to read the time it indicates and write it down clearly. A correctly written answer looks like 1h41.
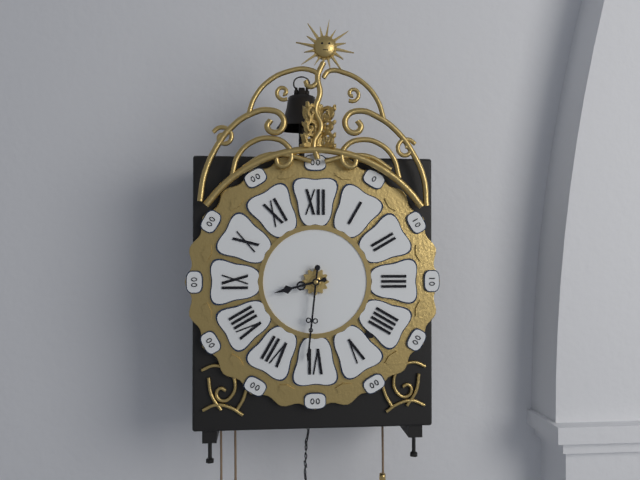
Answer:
8h31
